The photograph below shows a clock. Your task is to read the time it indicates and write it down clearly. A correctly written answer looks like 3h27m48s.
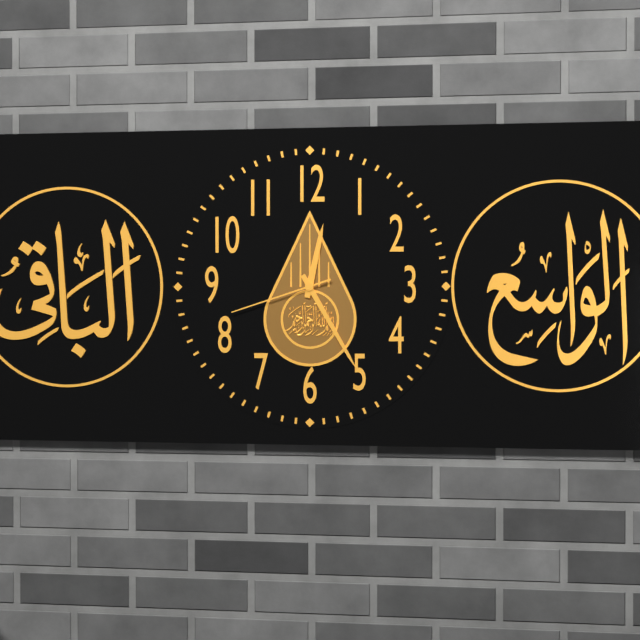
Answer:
12h25m42s
